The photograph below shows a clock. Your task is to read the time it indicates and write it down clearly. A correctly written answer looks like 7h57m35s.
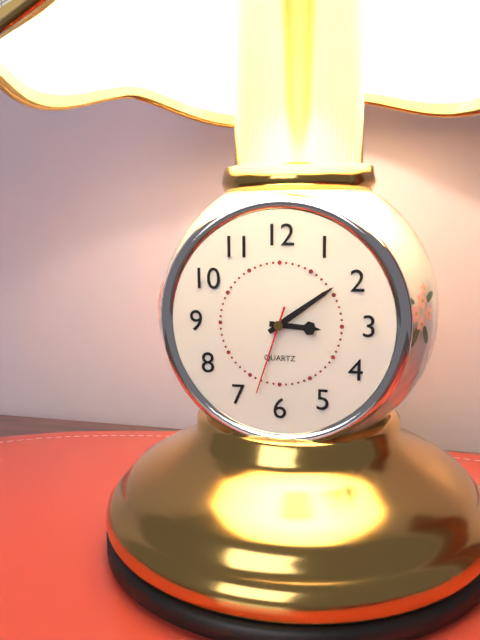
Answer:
3h09m33s
